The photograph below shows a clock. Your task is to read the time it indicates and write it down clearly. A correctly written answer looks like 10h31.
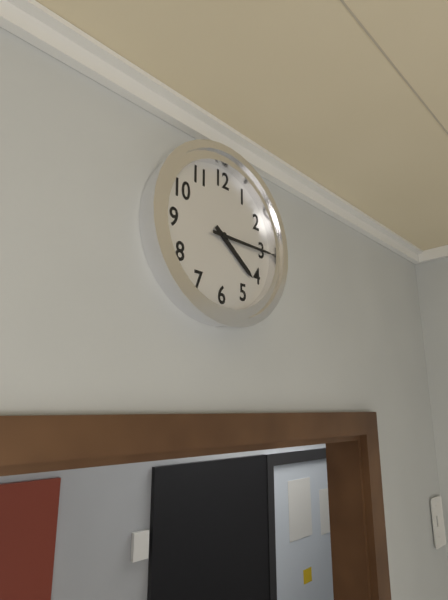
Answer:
4h15
